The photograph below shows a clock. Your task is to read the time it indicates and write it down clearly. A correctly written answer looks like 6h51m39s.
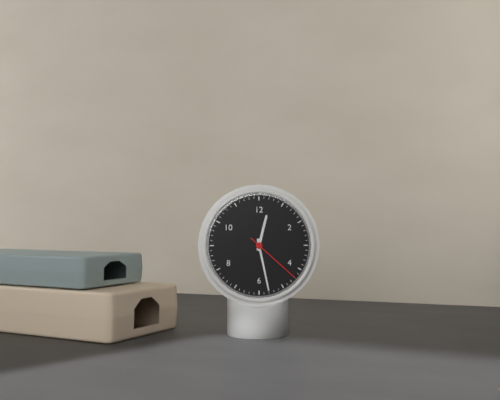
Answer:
12h28m22s
